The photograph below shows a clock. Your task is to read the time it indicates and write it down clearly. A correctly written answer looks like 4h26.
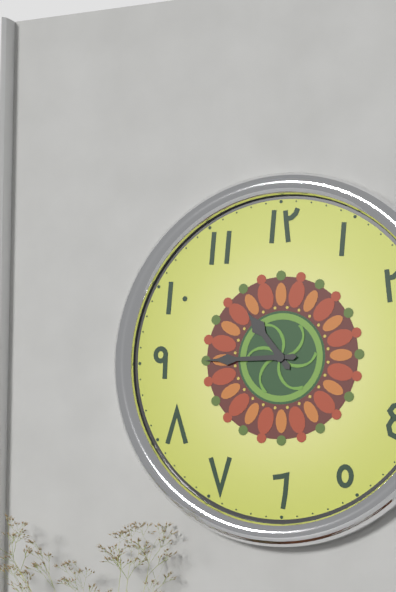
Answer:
10h45
